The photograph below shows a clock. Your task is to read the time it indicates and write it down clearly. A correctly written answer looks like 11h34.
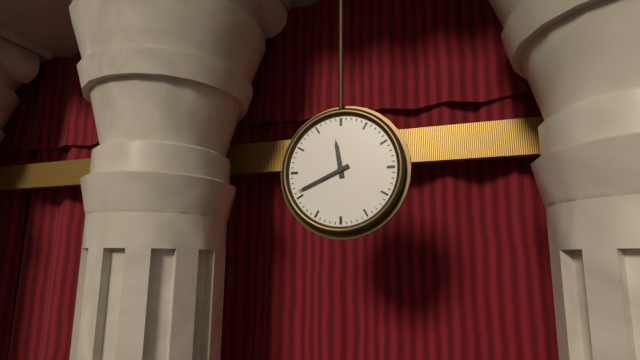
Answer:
11h41
